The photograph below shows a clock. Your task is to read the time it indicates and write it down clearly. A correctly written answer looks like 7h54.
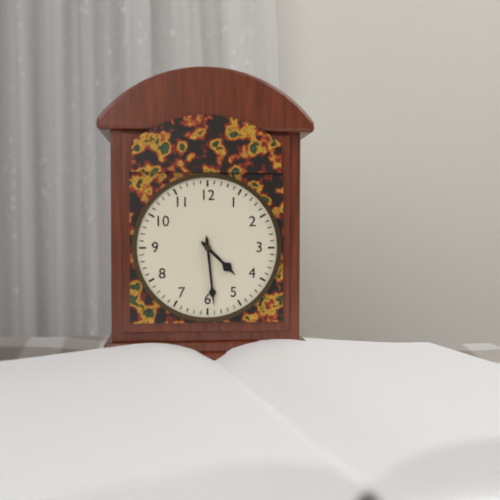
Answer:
4h29
